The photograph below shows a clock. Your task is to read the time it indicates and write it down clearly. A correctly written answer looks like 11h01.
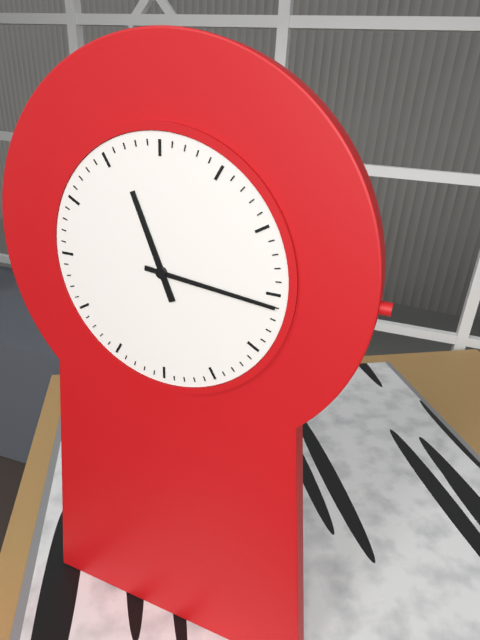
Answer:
11h16
